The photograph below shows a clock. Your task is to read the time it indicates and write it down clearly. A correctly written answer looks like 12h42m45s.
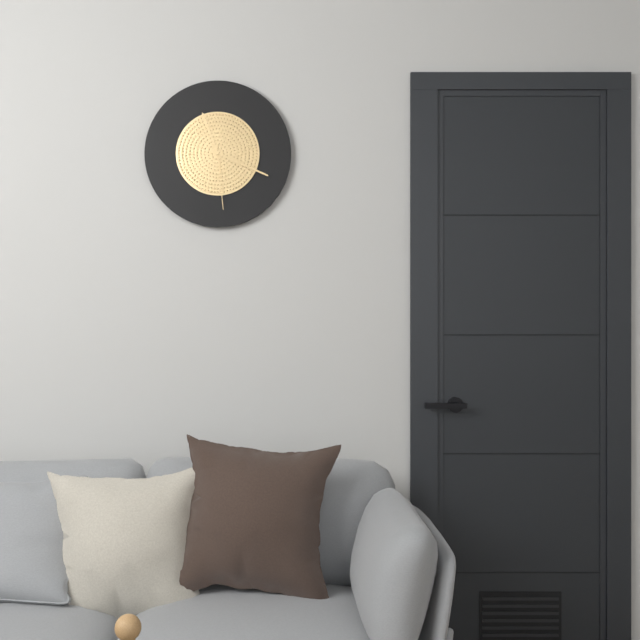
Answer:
11h19m29s
